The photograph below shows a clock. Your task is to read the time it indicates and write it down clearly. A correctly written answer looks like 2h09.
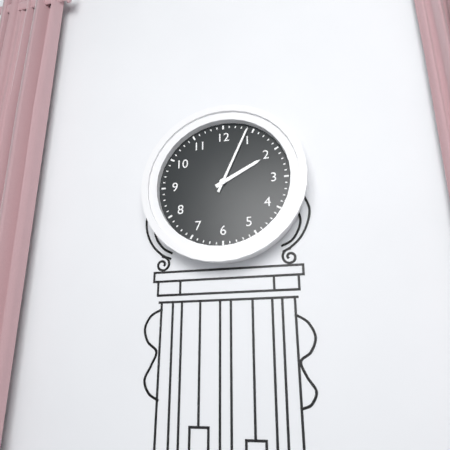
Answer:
2h04
